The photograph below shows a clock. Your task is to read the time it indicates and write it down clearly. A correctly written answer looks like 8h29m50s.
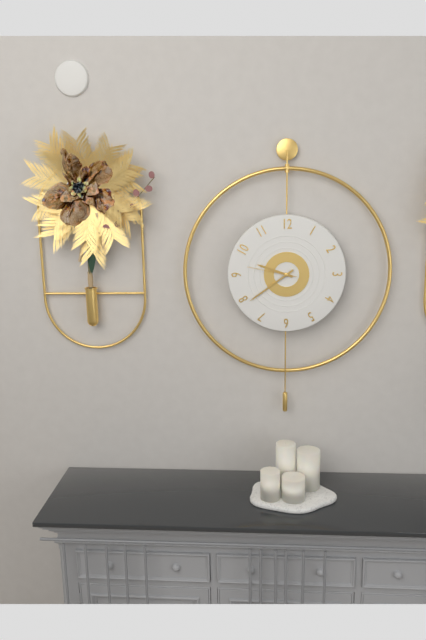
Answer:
9h39m47s
